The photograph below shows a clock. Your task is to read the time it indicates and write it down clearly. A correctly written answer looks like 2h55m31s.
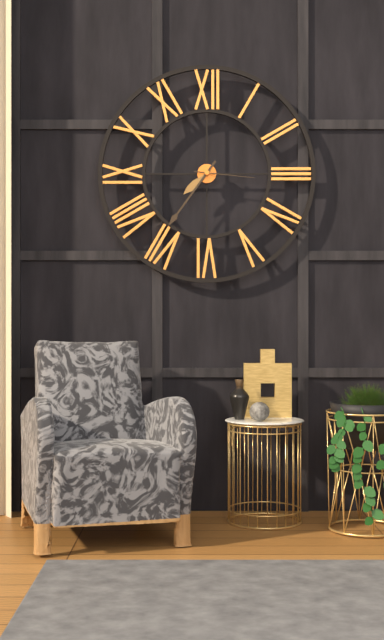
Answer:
7h36m16s
